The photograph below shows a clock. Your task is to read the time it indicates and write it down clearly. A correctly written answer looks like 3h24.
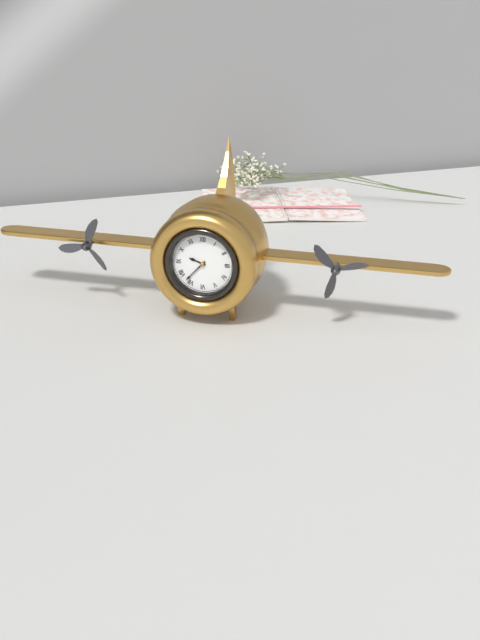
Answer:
9h37
